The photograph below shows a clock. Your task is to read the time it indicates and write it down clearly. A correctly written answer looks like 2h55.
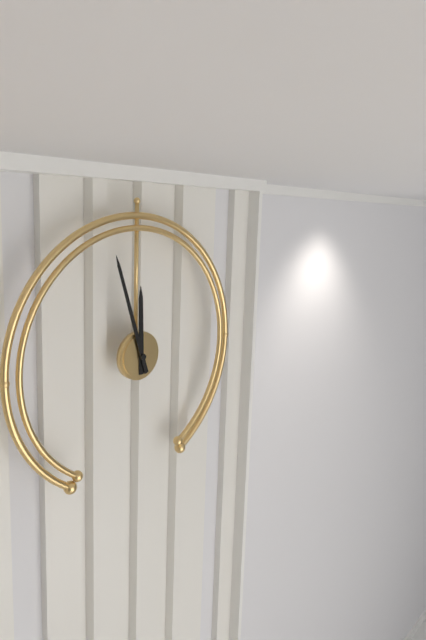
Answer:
11h57
